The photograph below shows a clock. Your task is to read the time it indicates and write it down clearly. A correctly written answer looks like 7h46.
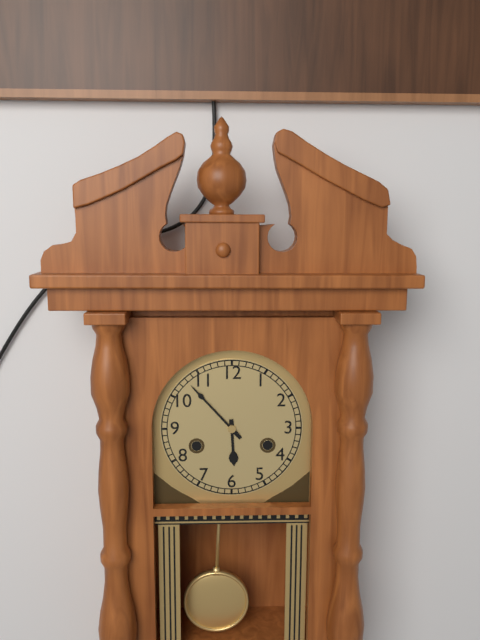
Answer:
5h53
